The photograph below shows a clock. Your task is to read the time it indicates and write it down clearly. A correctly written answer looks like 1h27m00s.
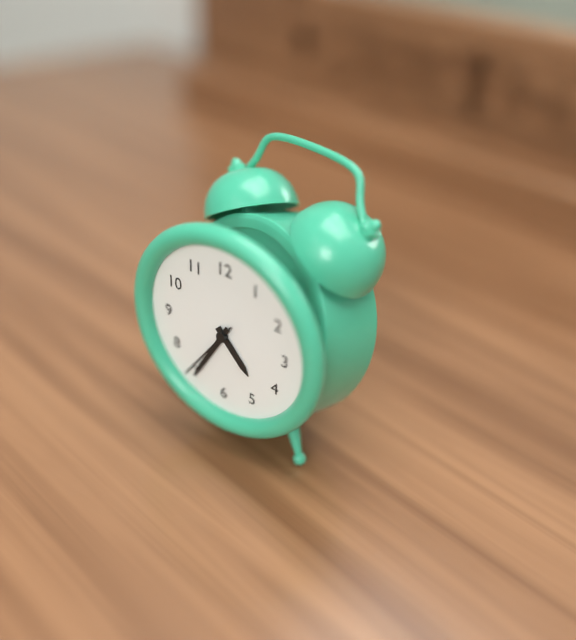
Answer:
4h35m36s
